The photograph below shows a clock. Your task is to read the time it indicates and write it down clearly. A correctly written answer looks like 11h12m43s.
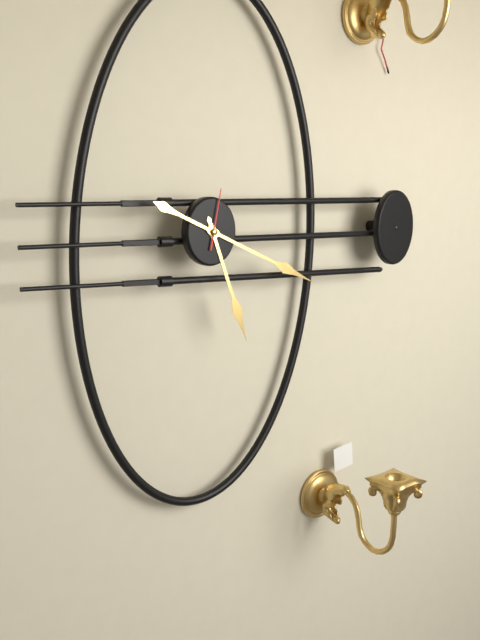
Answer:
5h19m02s
